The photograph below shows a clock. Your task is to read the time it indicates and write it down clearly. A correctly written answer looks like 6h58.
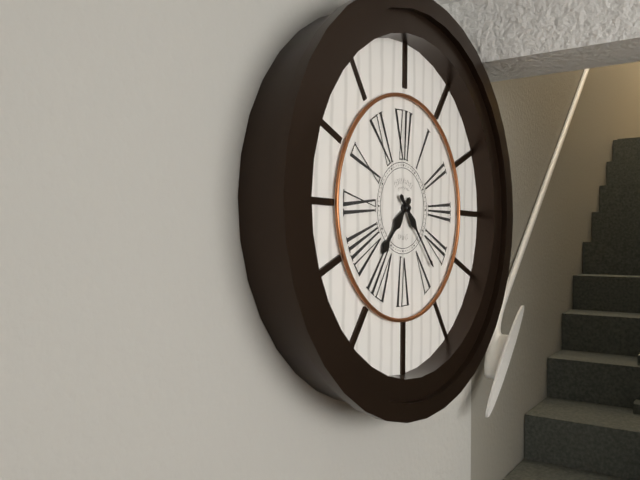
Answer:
7h23
